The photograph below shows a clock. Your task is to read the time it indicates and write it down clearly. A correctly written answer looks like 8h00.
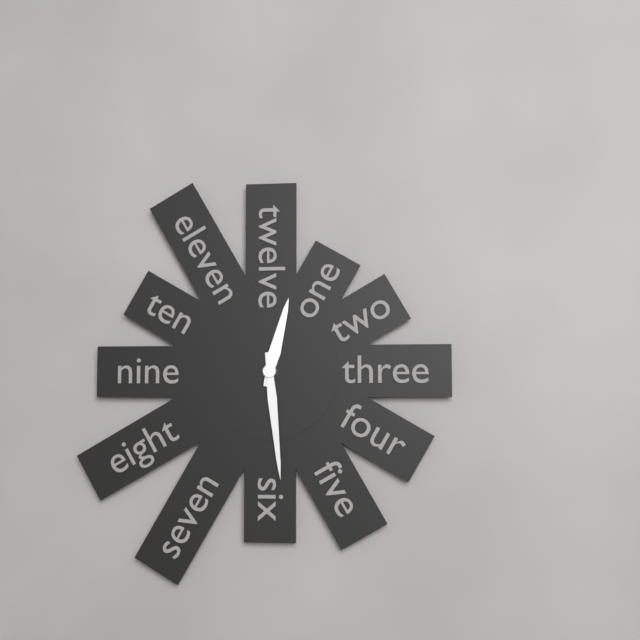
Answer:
12h29
